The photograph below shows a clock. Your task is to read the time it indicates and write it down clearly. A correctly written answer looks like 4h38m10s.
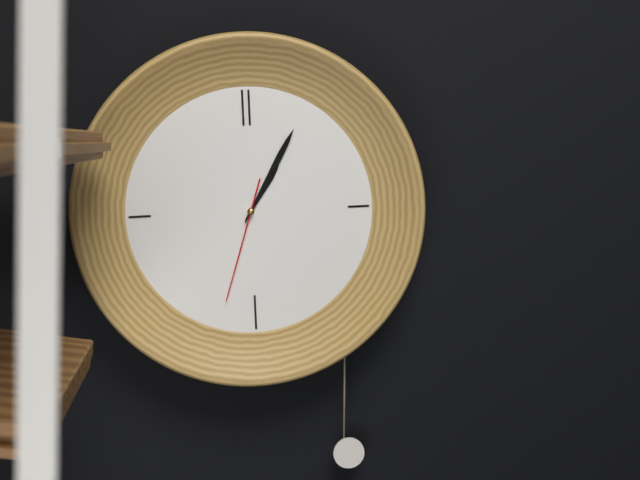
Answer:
1h05m33s
